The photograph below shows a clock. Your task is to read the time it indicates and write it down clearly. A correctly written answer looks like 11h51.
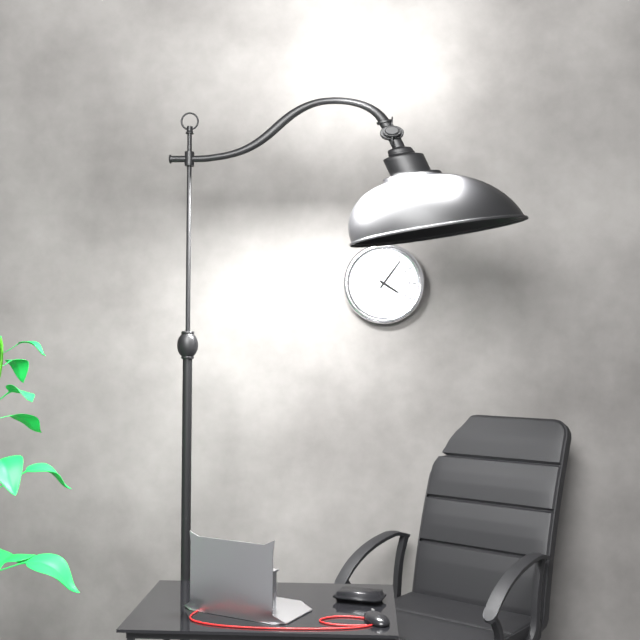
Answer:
4h06
